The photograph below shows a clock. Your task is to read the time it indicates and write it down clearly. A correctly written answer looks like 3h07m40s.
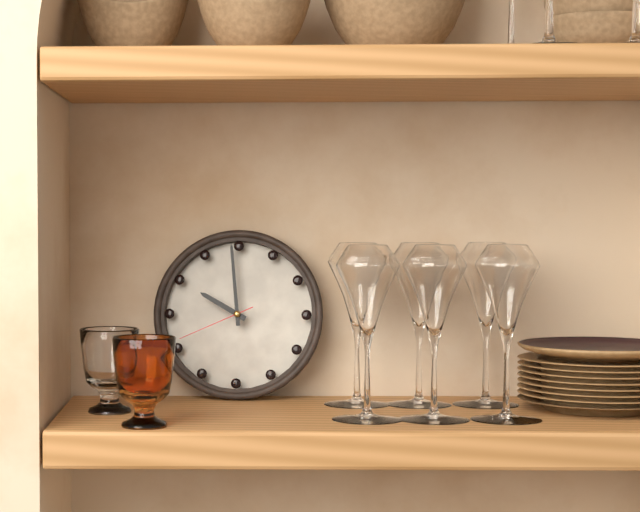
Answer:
9h59m41s
